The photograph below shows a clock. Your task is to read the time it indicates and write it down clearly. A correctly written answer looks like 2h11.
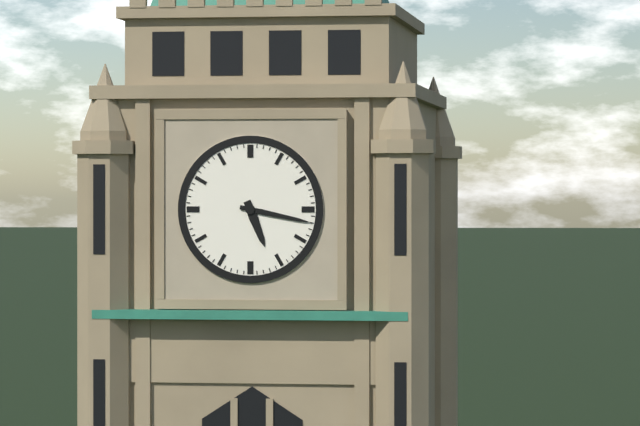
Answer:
5h17
